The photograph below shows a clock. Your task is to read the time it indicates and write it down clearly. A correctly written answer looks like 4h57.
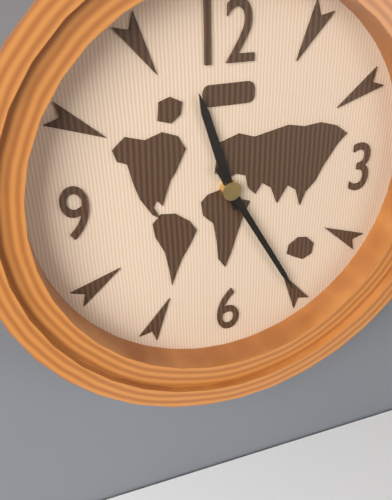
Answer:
11h25
